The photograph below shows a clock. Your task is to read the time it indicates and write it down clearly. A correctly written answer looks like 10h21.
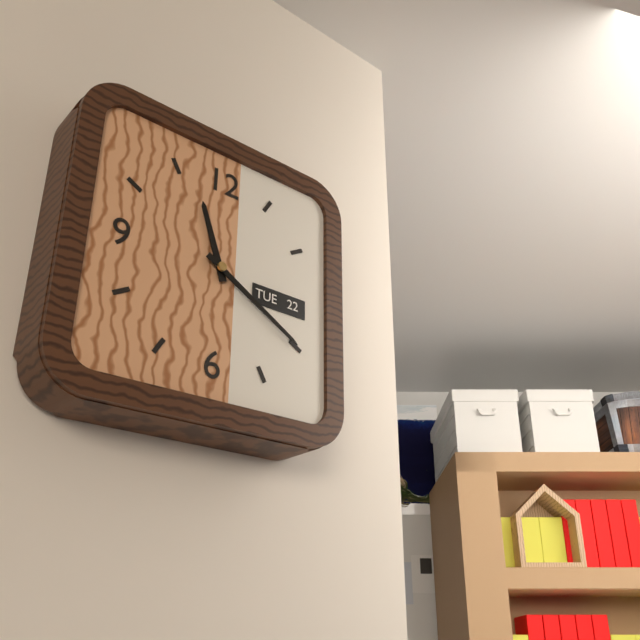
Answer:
11h20
